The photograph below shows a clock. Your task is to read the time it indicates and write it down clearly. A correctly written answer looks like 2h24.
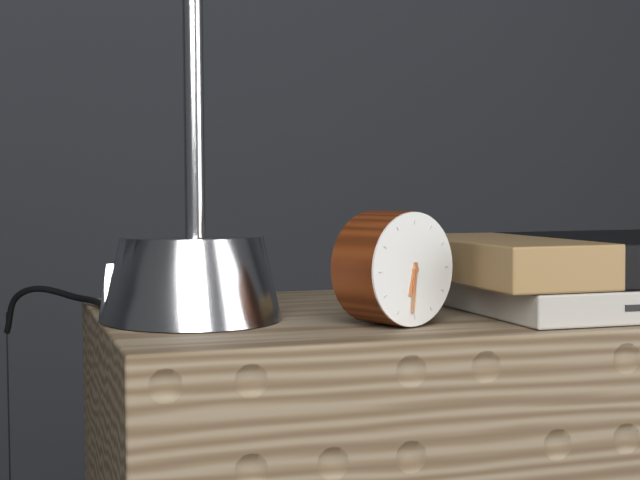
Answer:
6h31
